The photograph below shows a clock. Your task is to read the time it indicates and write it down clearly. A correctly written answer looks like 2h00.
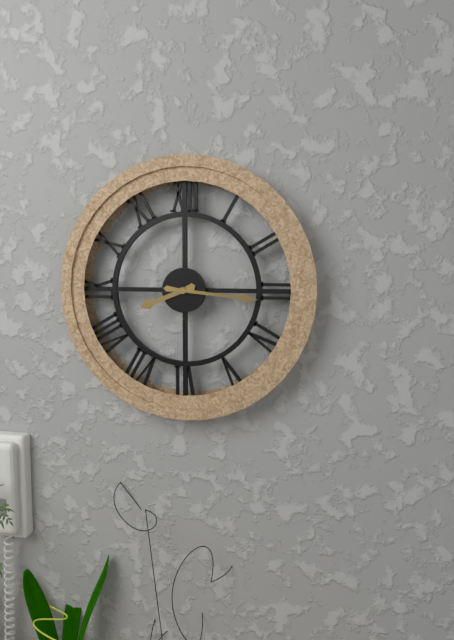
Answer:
8h16
